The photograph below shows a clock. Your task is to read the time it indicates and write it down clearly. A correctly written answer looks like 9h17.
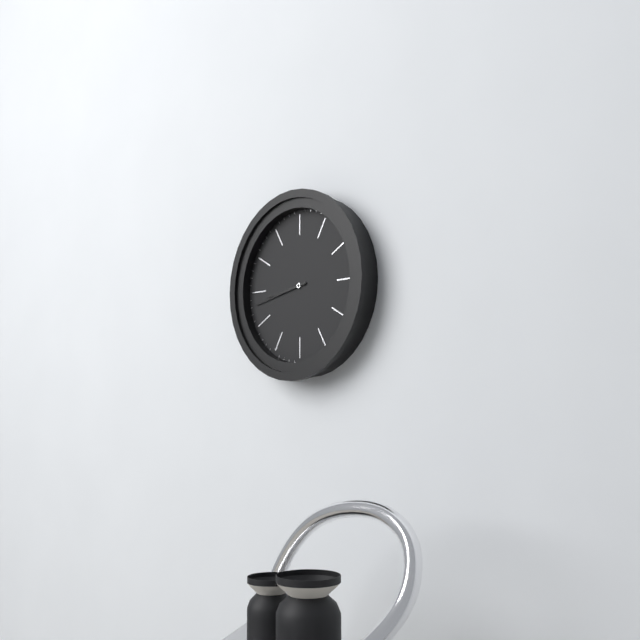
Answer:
8h43
